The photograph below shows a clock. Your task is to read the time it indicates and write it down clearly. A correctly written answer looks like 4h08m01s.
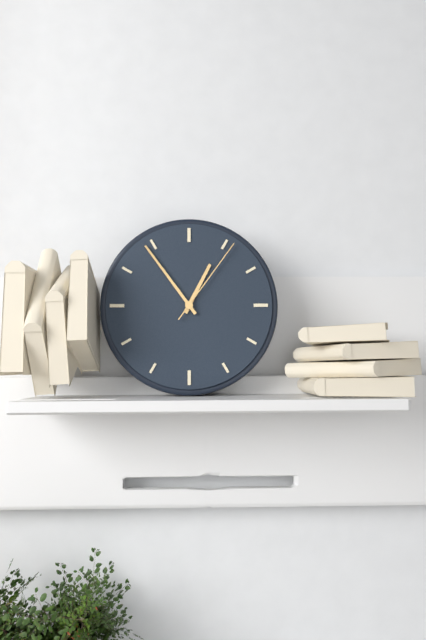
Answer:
12h54m06s
